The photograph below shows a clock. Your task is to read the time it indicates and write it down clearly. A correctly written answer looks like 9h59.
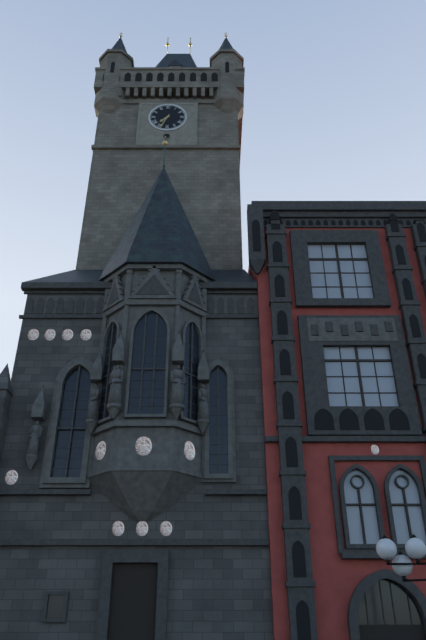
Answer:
7h34
